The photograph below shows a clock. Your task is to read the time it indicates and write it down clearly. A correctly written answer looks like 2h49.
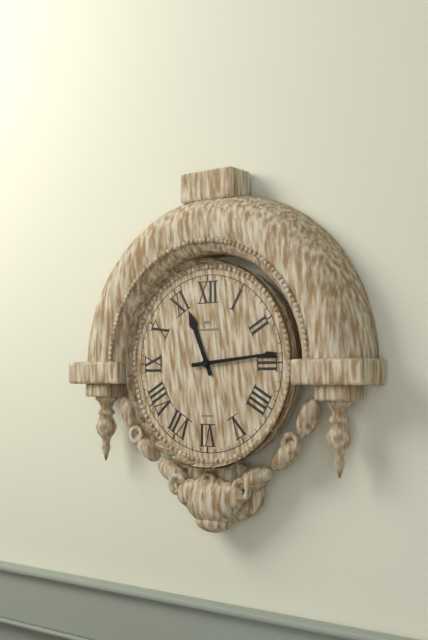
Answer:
11h14
